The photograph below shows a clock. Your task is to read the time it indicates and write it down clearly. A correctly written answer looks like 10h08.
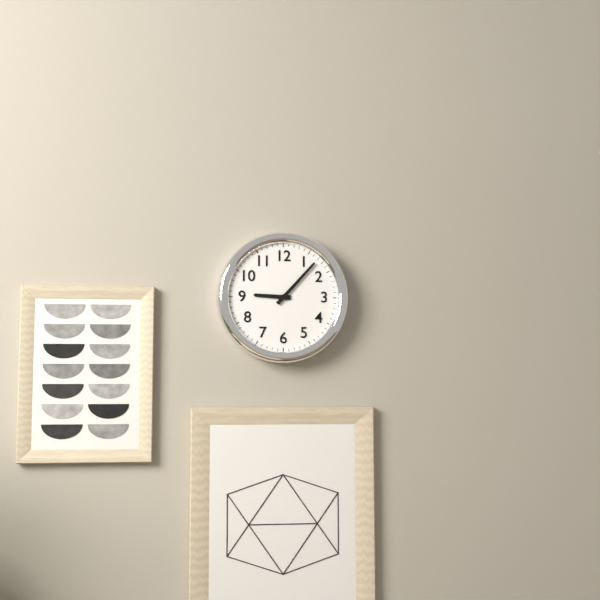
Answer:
9h07
